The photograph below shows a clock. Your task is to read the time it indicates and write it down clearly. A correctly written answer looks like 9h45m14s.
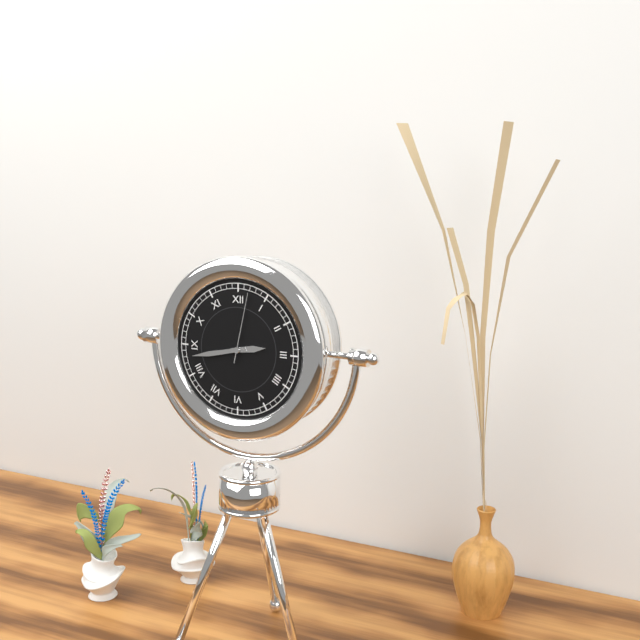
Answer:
2h43m02s
